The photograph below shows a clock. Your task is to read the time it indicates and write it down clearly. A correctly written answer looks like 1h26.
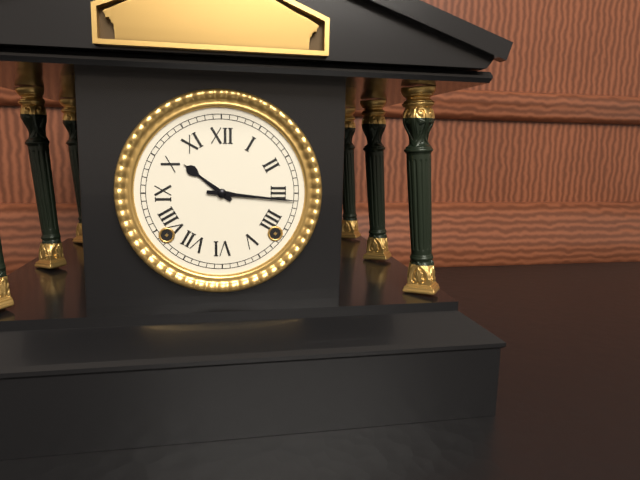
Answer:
10h16
